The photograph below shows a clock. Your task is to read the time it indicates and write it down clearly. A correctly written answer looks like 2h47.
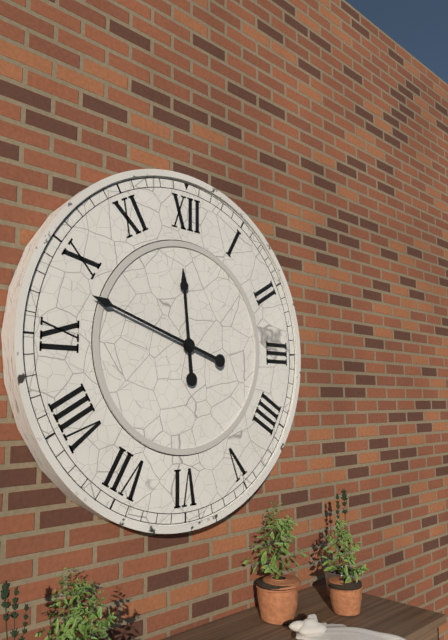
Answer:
11h48
